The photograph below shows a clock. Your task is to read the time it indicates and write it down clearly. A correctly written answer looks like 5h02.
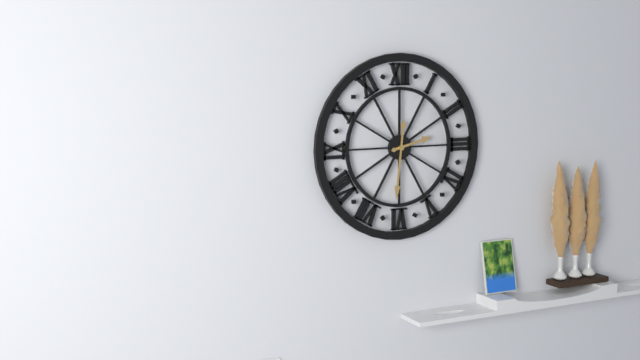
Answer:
2h31
